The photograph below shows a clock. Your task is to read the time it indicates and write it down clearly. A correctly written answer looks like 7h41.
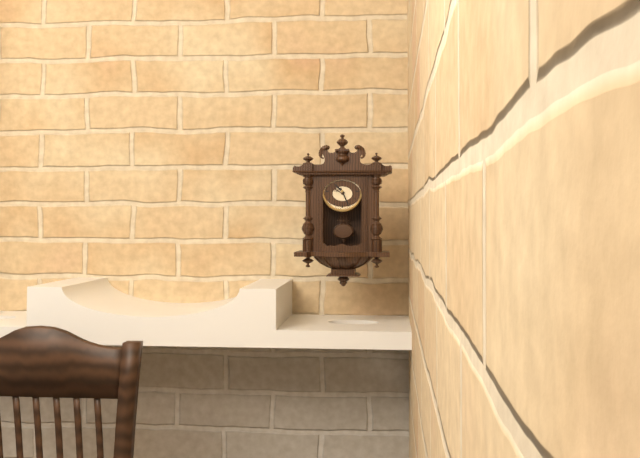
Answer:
10h26
